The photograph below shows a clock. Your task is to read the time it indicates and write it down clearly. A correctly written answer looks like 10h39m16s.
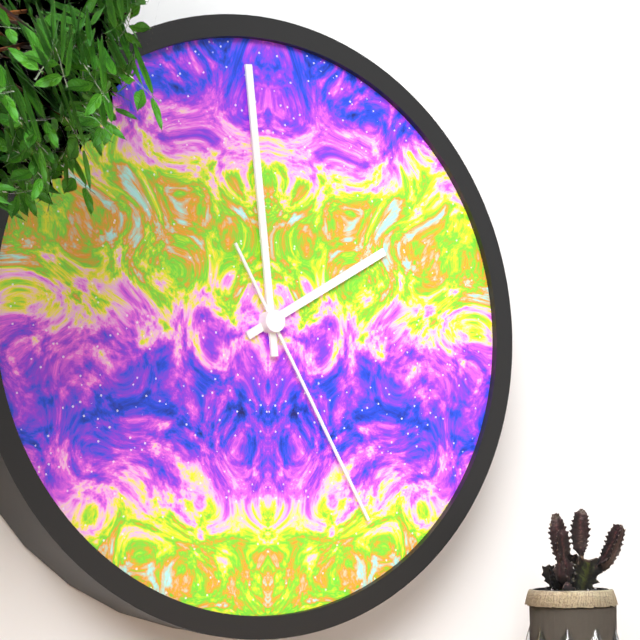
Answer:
1h59m25s
